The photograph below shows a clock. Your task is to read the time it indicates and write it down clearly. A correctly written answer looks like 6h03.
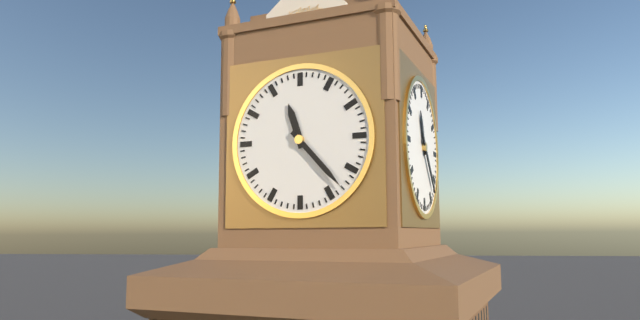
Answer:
11h23
